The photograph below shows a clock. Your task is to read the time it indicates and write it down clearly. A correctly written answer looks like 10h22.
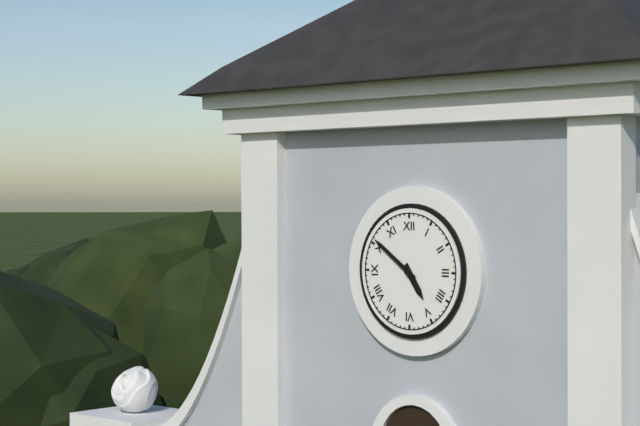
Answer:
4h51
